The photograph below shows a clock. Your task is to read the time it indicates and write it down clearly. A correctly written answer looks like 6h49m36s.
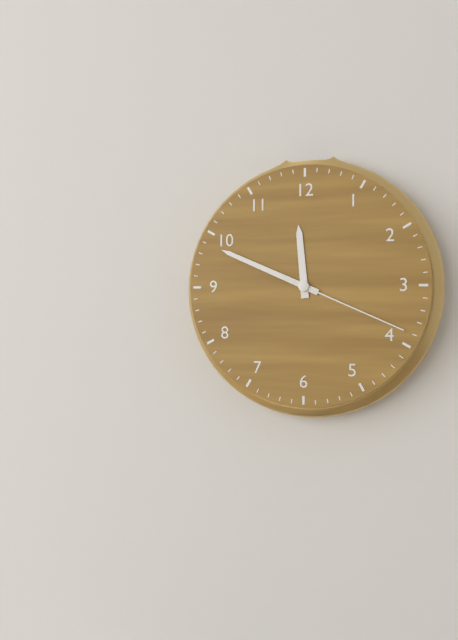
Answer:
11h49m19s
